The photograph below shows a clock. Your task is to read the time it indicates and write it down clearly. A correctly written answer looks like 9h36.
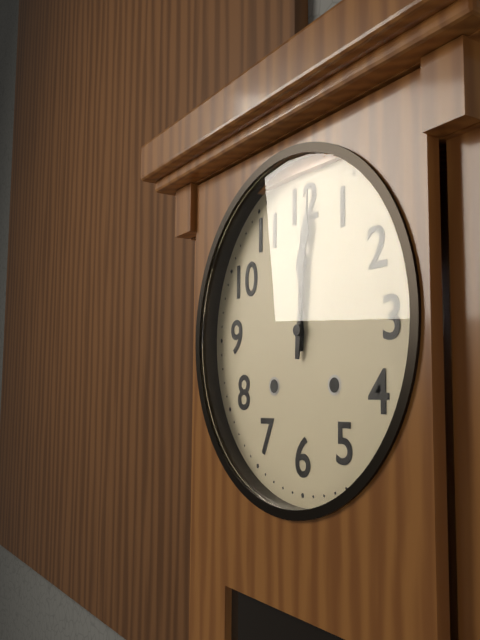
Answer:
12h01
